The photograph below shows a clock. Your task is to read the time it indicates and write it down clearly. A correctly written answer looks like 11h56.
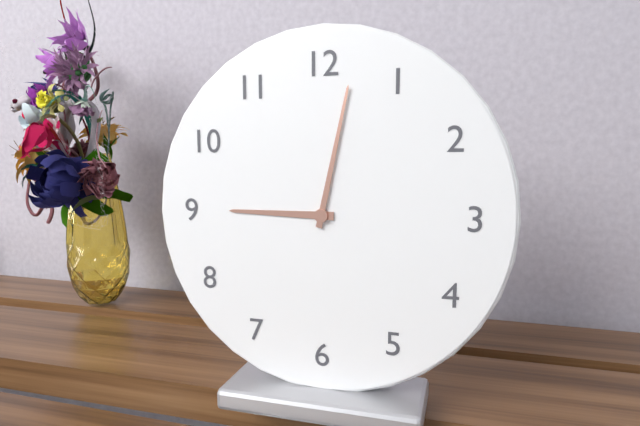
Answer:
9h02
